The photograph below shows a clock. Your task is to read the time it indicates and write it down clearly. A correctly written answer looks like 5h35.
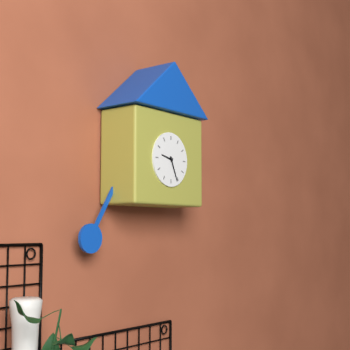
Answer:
9h26
